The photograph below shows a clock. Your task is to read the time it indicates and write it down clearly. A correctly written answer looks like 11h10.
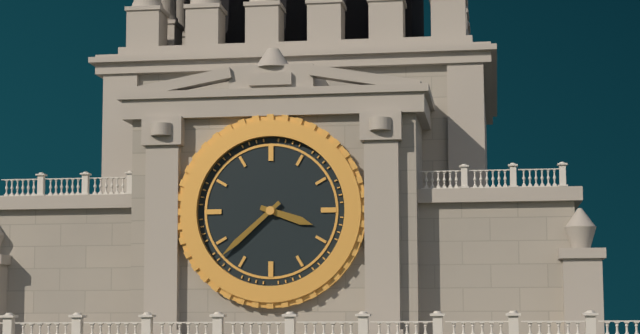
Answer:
3h38
